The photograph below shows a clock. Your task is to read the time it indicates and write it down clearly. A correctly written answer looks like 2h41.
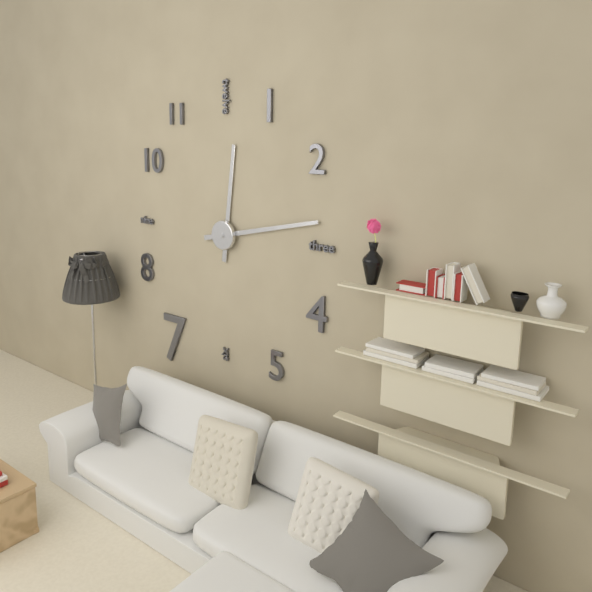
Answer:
12h13
